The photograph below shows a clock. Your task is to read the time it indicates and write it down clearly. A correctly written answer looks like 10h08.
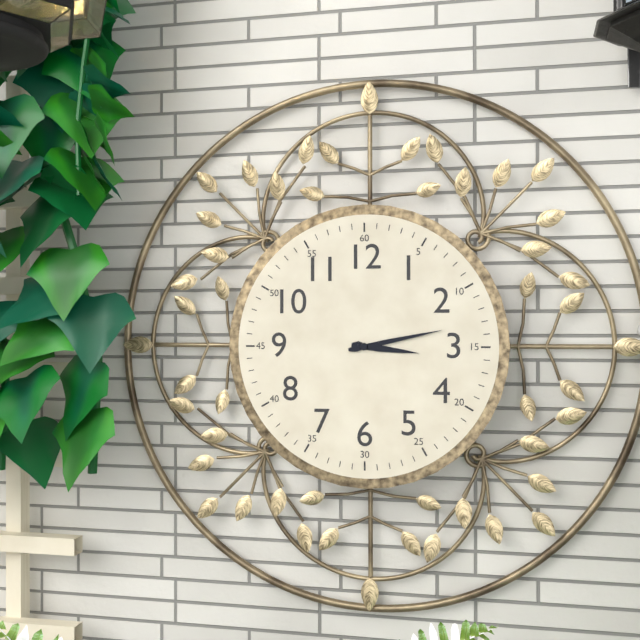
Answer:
3h13
